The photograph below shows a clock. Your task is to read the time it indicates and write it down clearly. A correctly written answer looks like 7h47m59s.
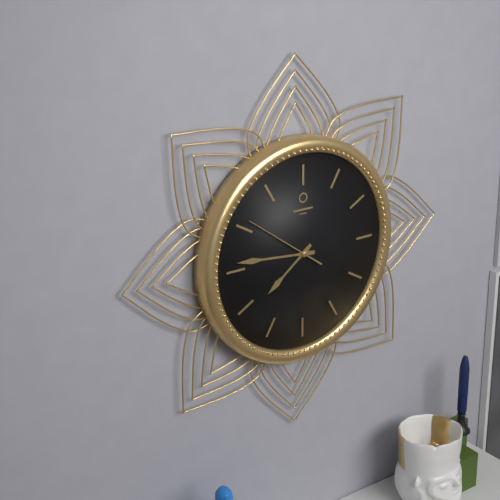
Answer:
7h46m51s
